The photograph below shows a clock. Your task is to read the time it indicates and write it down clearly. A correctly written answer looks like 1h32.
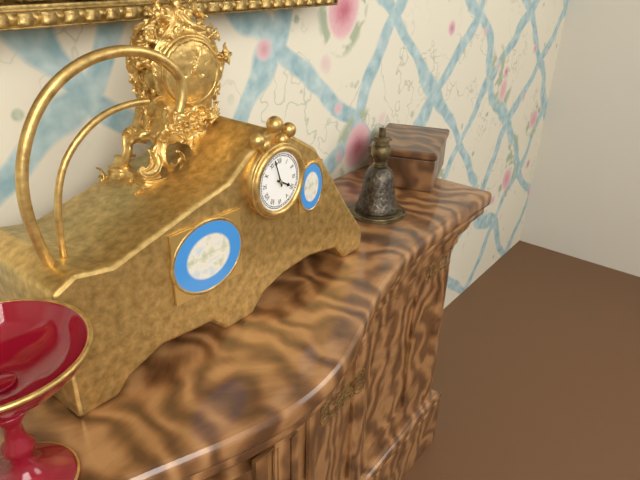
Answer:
3h57
